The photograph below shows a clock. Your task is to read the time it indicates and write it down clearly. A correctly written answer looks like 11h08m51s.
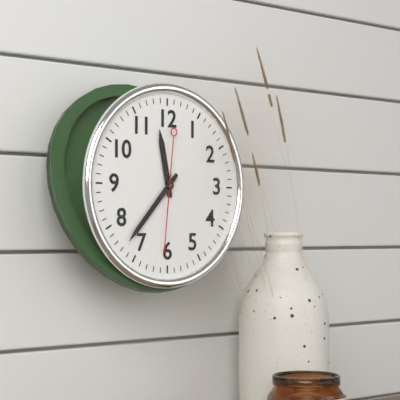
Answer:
11h37m31s
